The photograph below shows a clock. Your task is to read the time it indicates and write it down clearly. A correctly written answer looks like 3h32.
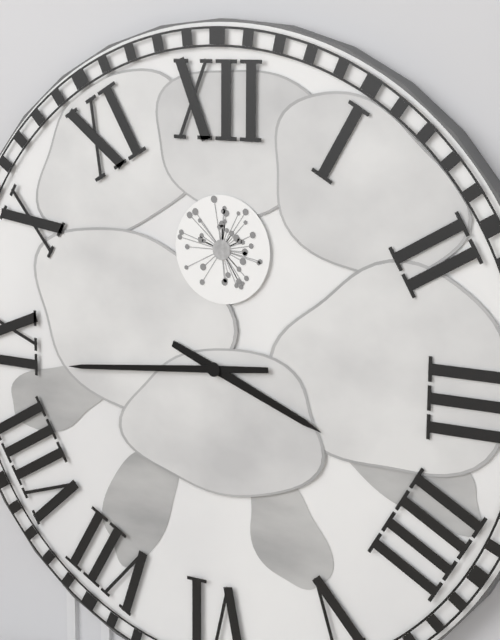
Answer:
3h44
